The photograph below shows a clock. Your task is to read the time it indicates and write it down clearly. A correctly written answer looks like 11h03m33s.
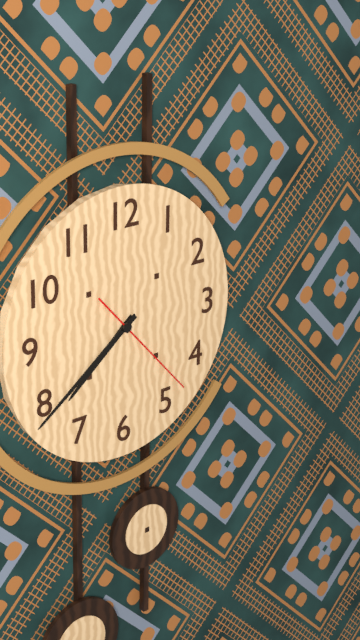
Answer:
7h39m23s
